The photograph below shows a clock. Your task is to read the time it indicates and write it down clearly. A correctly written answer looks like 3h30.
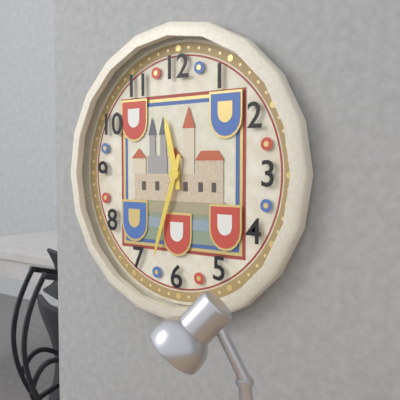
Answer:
11h33
